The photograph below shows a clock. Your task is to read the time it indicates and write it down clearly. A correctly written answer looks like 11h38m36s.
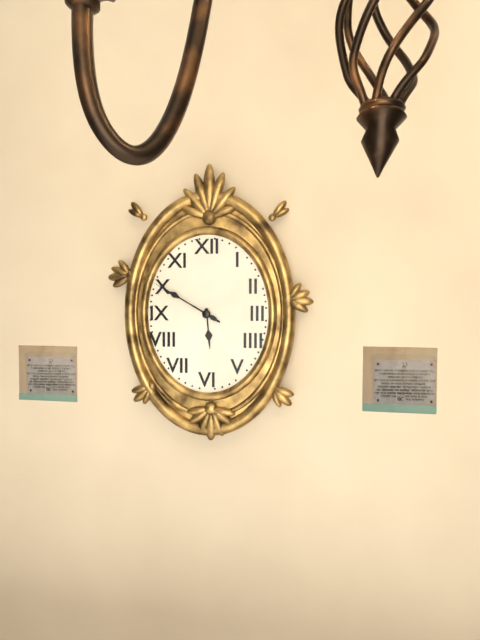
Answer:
5h50m50s
